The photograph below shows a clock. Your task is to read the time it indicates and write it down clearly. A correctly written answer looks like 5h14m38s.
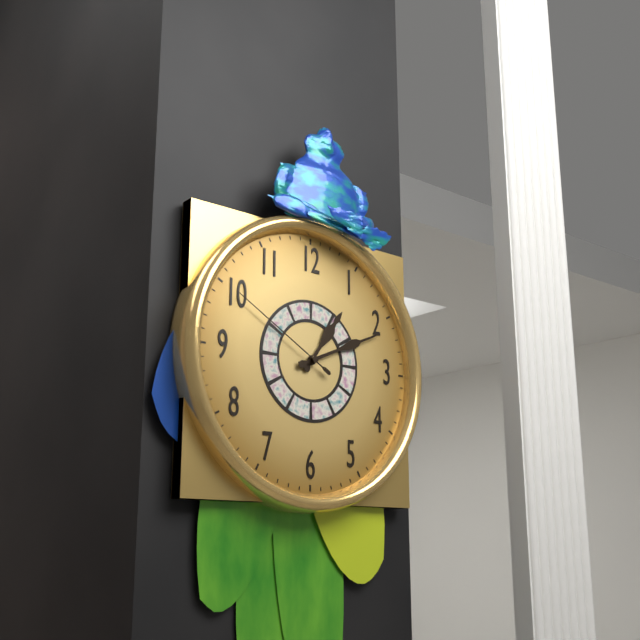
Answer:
1h11m50s
